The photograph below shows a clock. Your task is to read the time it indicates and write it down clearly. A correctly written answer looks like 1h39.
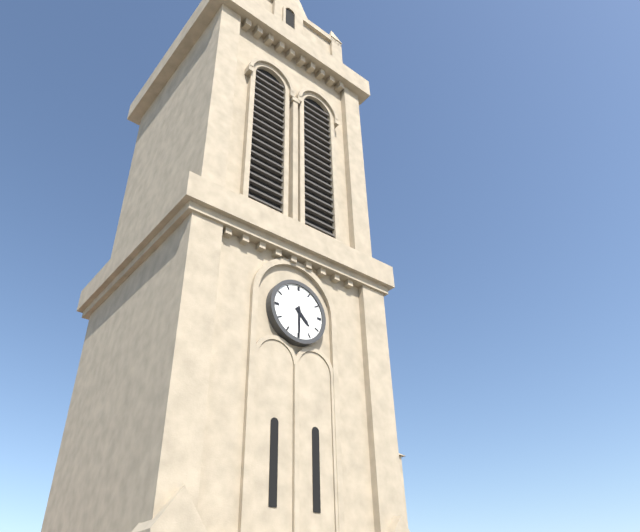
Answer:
4h30
